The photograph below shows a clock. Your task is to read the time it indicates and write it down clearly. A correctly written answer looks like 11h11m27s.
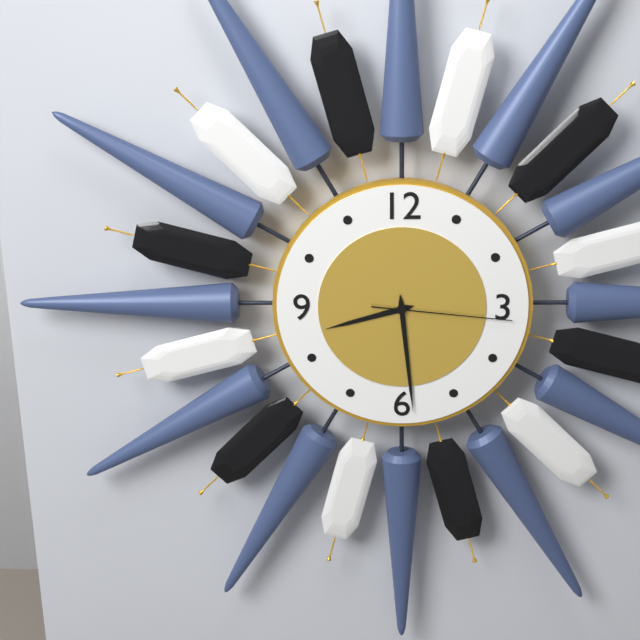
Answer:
8h29m16s
